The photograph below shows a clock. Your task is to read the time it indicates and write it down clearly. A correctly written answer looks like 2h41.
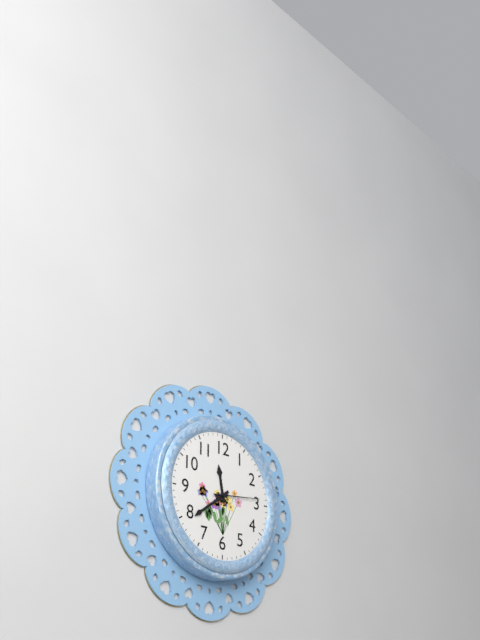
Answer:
11h39
